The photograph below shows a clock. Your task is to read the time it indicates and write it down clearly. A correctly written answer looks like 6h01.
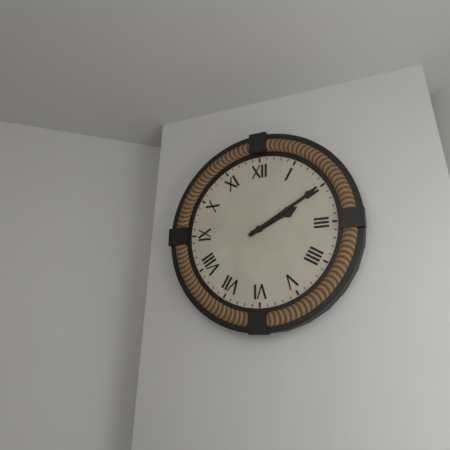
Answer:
2h10
